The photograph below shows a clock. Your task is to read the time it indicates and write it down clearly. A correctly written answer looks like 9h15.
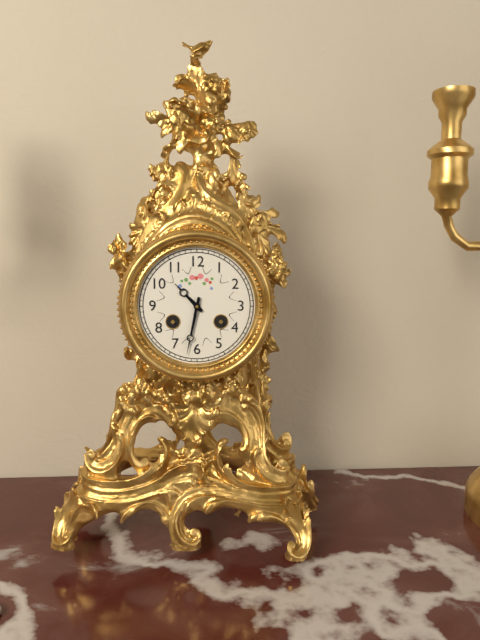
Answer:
10h32
